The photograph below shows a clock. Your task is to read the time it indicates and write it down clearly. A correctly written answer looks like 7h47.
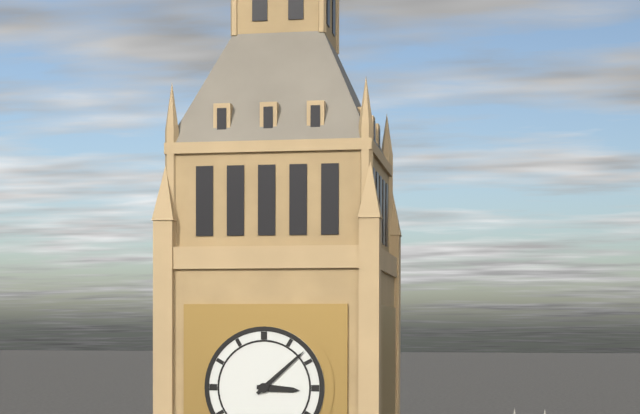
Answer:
3h08
